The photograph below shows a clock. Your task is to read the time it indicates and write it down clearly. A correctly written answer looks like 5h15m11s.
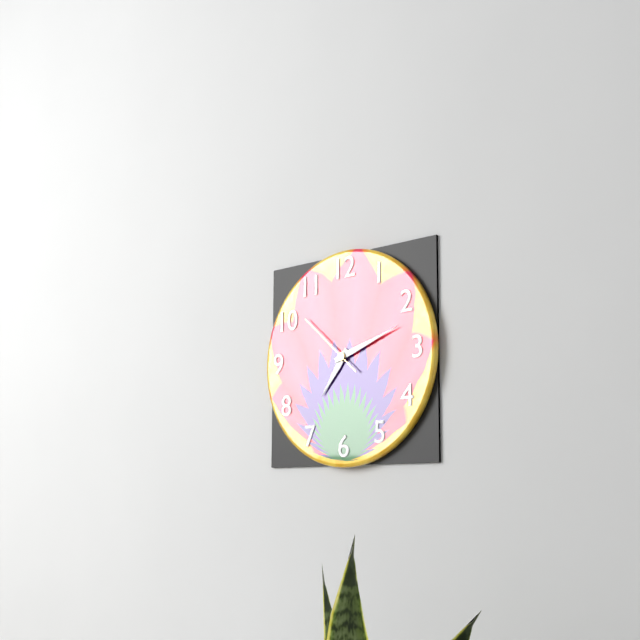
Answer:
7h12m52s
